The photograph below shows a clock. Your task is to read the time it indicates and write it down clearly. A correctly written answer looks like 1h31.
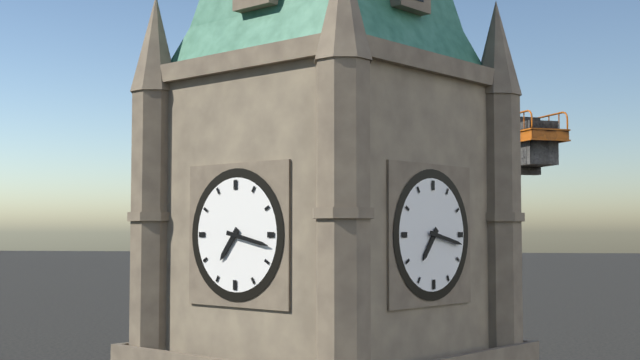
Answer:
7h17
